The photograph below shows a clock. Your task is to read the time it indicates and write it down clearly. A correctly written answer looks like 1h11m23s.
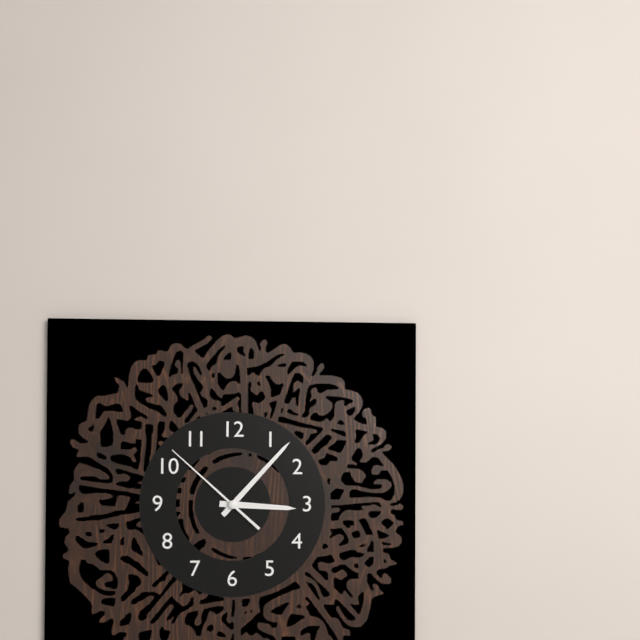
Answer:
3h07m52s
